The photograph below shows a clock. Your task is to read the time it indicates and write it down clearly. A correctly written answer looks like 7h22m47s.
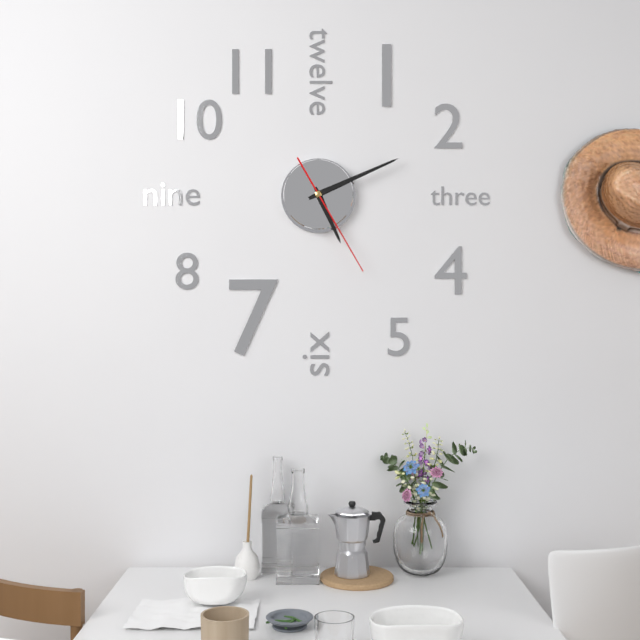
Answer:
5h11m25s
